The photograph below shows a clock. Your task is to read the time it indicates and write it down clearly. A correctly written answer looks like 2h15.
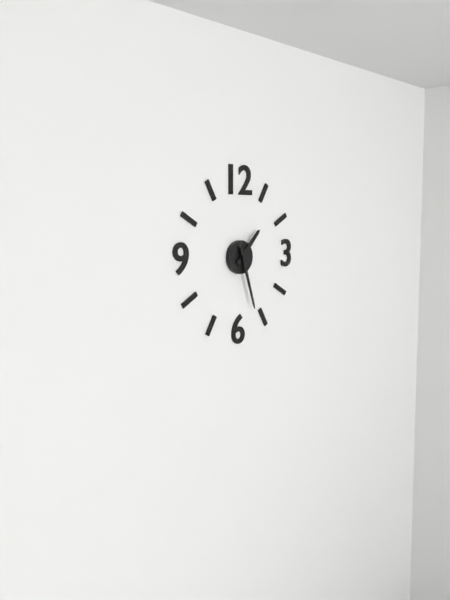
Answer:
1h27
